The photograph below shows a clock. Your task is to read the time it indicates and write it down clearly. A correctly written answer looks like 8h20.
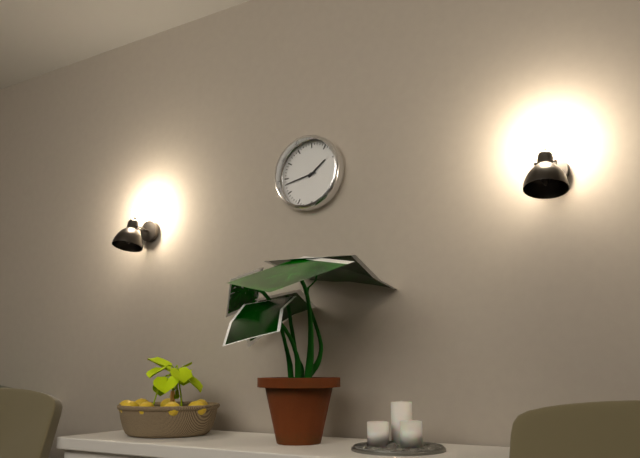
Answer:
1h43
